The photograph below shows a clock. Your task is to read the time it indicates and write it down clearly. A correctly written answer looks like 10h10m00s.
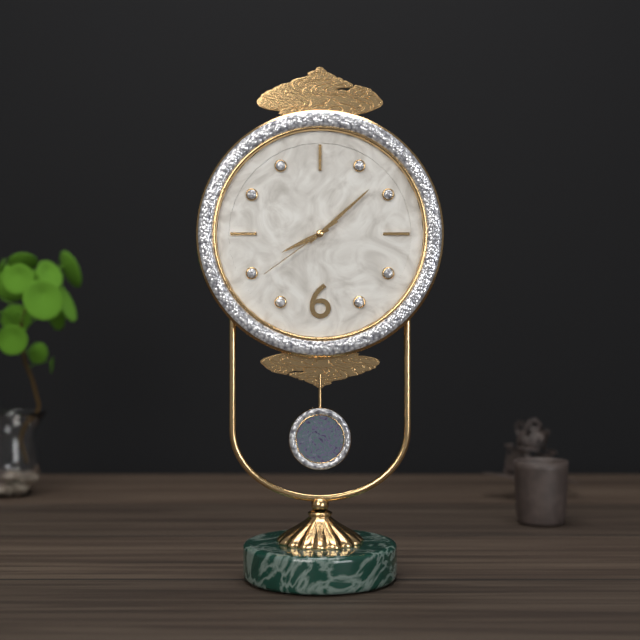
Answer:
8h08m39s
